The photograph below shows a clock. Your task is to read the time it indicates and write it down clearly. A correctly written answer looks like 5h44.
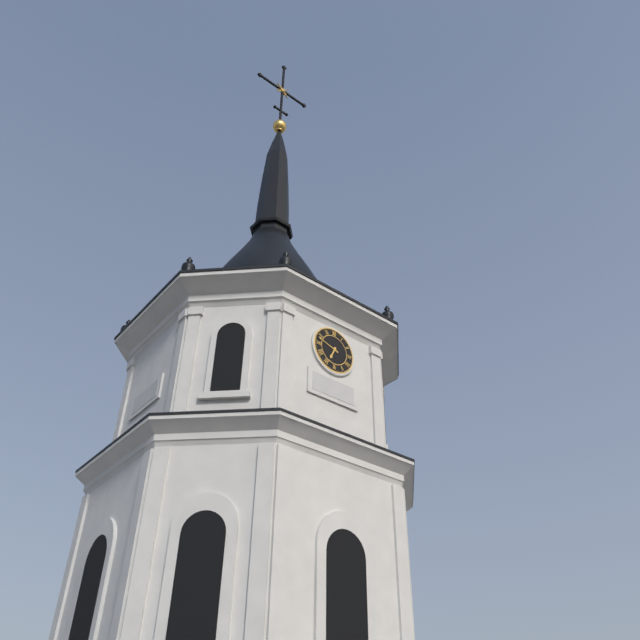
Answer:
6h48
